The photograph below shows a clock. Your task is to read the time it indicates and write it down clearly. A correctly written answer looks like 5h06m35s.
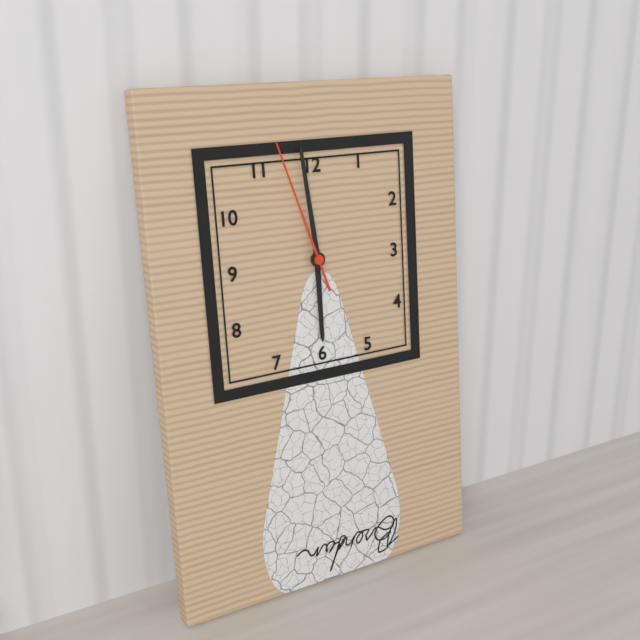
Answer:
5h59m57s
